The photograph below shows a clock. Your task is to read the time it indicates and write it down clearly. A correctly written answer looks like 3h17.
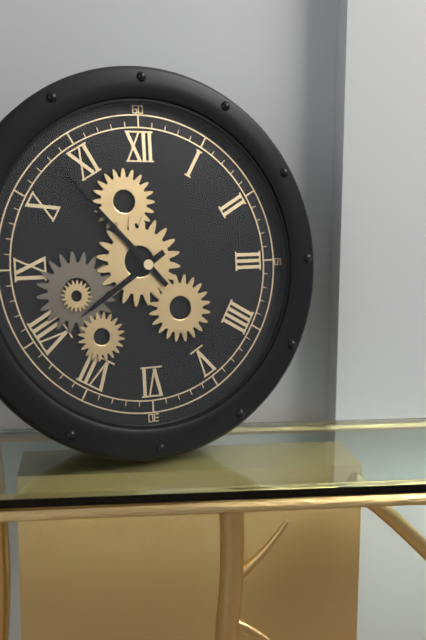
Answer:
7h53
